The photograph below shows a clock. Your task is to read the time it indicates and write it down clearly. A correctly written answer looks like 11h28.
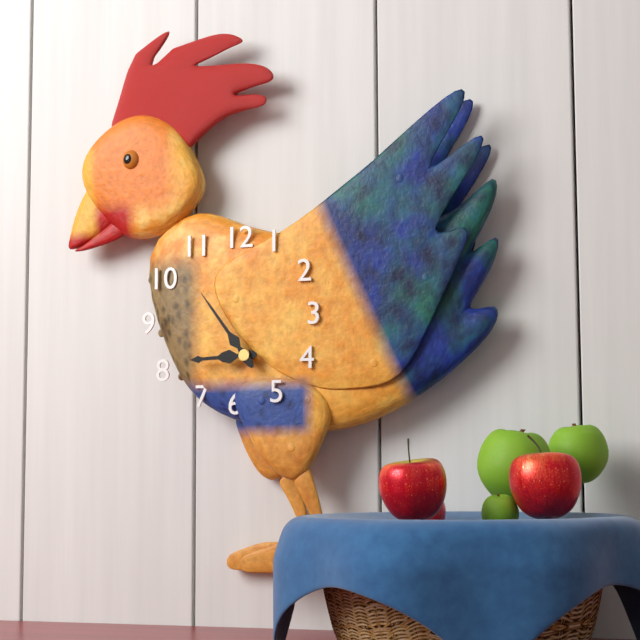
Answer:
8h54
